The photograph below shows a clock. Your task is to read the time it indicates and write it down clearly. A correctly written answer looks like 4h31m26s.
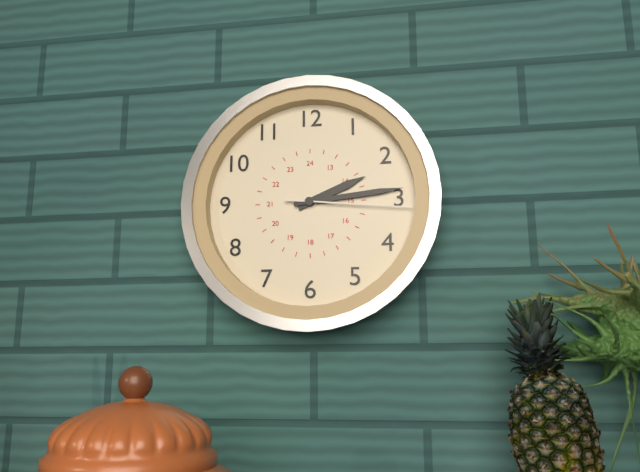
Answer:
2h14m16s
